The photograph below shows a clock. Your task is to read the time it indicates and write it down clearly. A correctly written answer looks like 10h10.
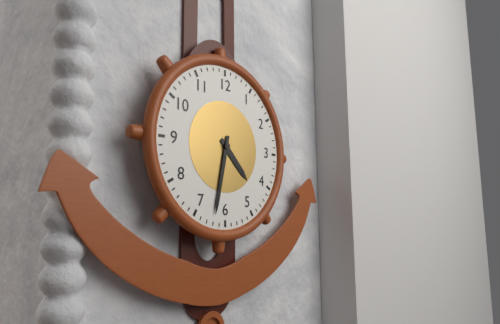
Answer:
4h32
